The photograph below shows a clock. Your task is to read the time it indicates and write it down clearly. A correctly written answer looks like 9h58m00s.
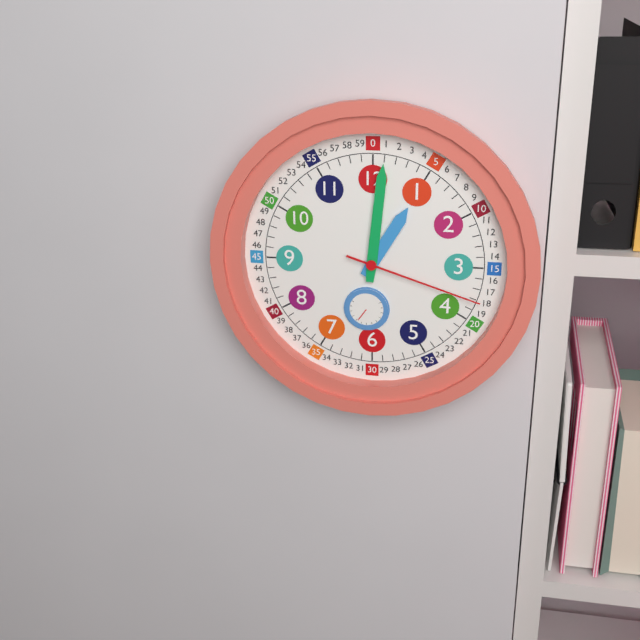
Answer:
1h01m18s
